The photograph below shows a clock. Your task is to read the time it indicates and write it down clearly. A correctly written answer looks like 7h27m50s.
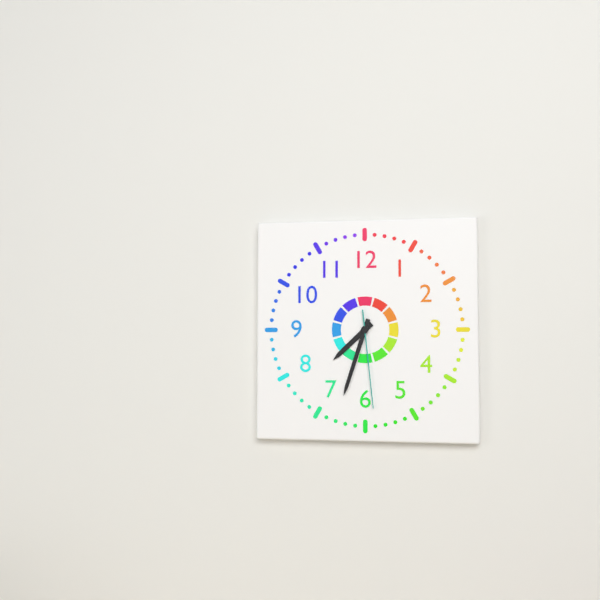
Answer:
7h33m29s
